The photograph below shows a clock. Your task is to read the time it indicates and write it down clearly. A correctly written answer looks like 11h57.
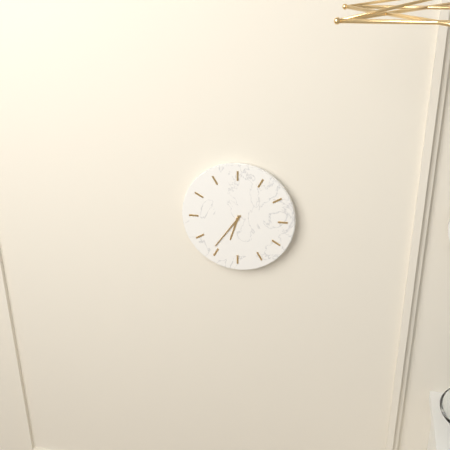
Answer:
6h36
